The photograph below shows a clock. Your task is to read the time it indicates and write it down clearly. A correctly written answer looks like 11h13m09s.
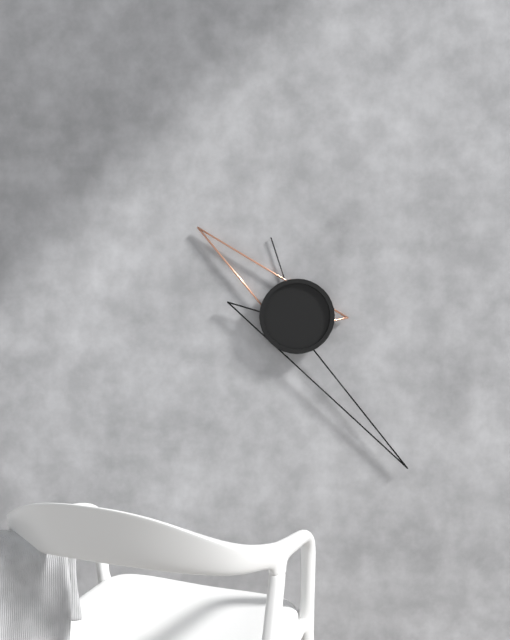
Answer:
10h24m57s
